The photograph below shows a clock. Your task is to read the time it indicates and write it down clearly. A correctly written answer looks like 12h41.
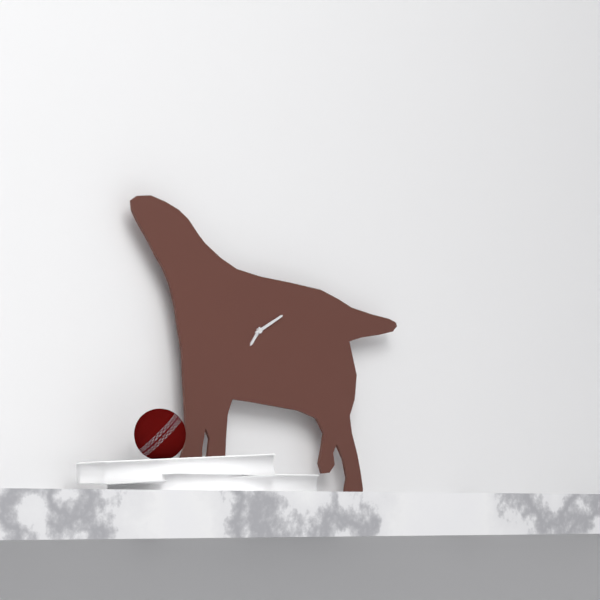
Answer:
7h10
